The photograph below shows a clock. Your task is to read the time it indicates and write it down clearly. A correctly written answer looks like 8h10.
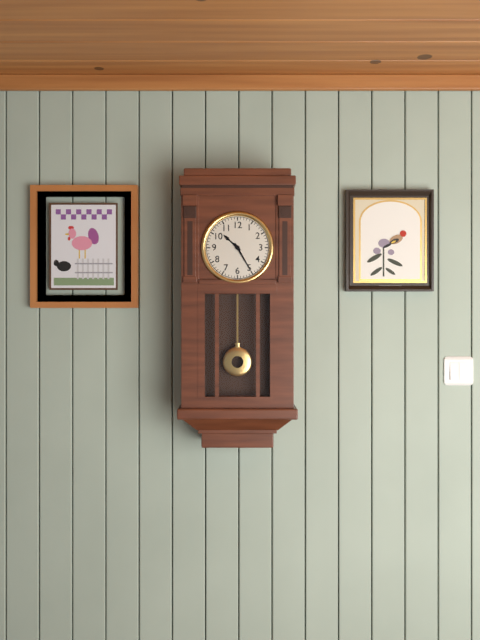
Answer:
10h25
